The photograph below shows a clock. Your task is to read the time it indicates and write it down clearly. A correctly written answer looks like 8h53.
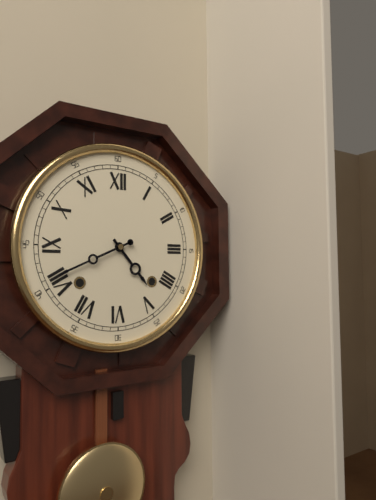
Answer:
4h41
